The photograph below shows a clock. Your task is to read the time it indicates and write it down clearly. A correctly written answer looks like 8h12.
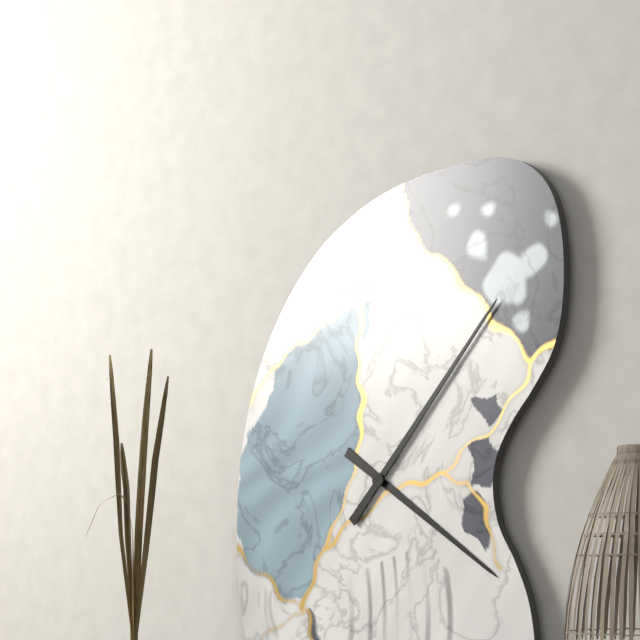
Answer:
4h07
